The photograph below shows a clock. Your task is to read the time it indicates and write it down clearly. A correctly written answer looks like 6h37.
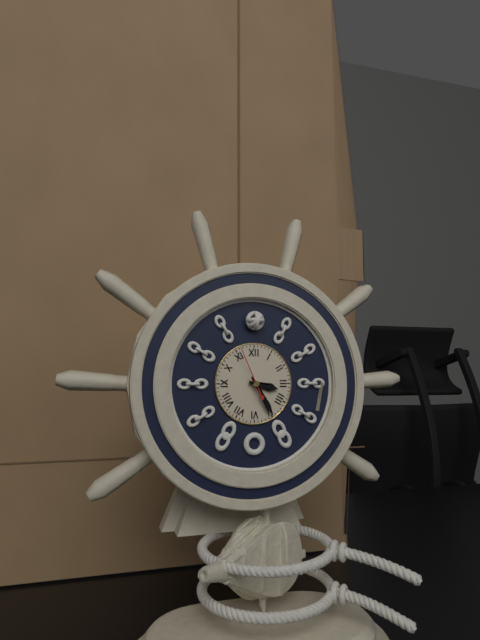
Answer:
3h25
